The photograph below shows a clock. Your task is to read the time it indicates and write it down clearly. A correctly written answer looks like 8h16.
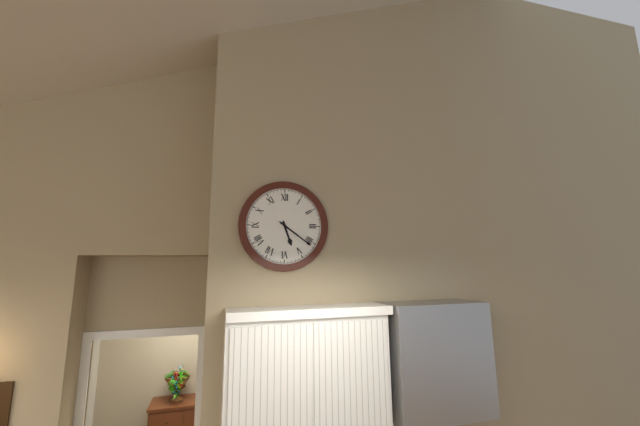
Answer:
5h21
